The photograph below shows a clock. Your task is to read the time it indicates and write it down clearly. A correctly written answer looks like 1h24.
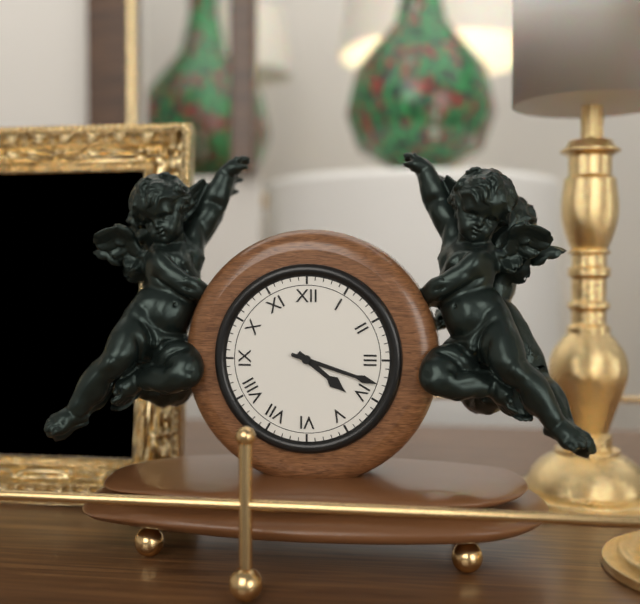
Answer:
4h18
